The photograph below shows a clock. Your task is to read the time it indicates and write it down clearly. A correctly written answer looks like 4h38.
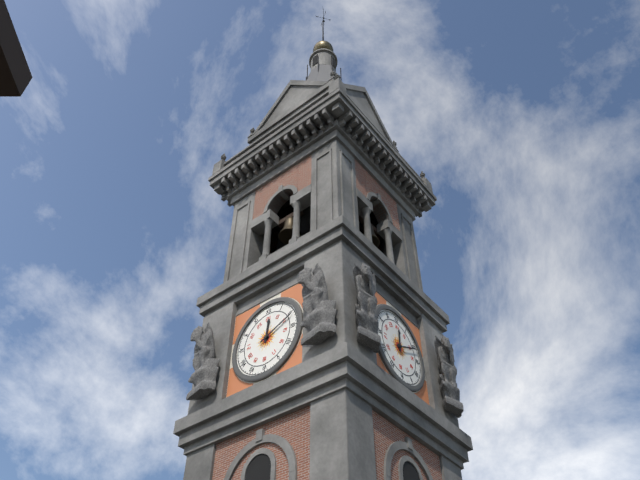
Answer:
12h11
